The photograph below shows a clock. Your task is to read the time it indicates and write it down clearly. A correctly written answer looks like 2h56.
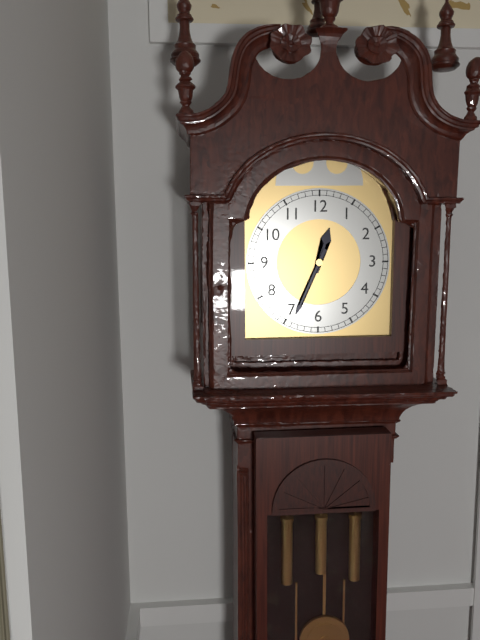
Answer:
12h34
